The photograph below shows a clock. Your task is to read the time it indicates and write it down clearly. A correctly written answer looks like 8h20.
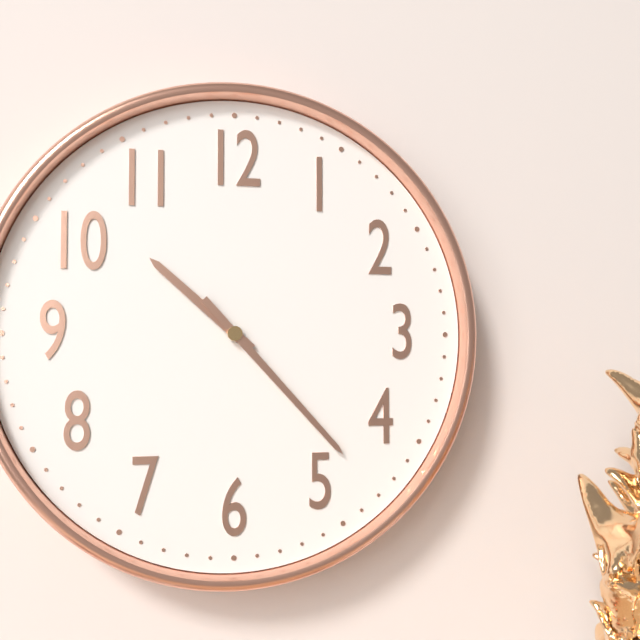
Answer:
10h23
